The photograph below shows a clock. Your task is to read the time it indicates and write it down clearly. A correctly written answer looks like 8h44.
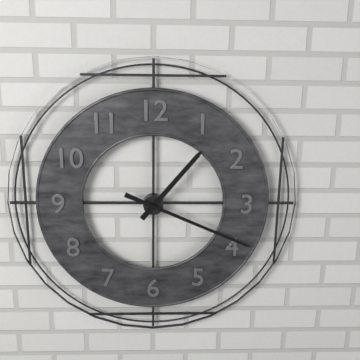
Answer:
1h19
